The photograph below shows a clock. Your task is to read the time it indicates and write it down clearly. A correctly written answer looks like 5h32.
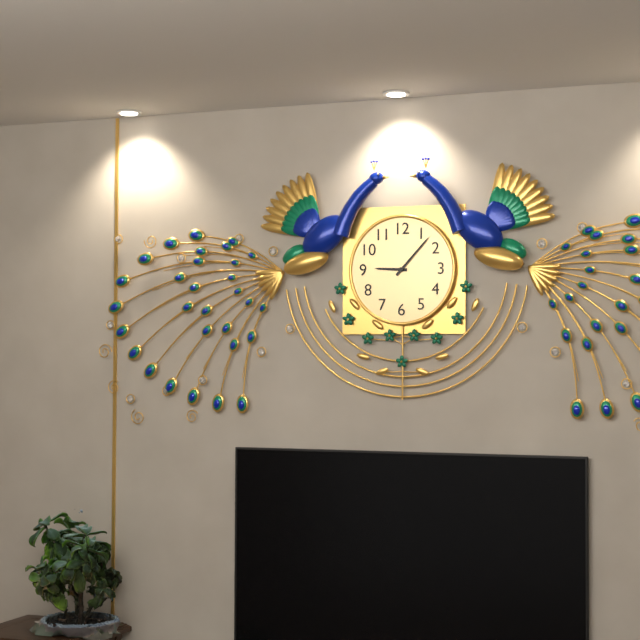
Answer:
9h07
